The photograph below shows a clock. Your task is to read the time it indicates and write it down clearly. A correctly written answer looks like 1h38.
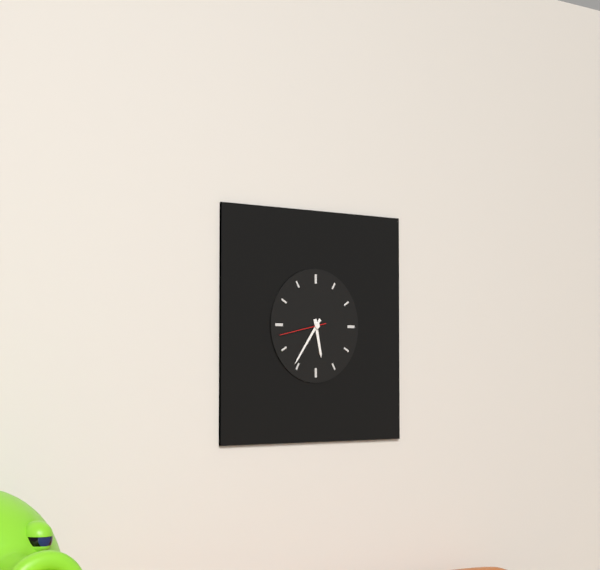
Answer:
5h36
